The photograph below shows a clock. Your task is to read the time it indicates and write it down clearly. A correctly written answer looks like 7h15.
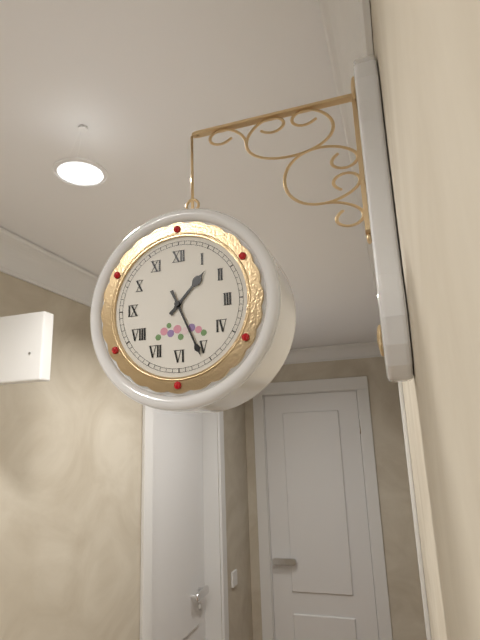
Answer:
1h26
